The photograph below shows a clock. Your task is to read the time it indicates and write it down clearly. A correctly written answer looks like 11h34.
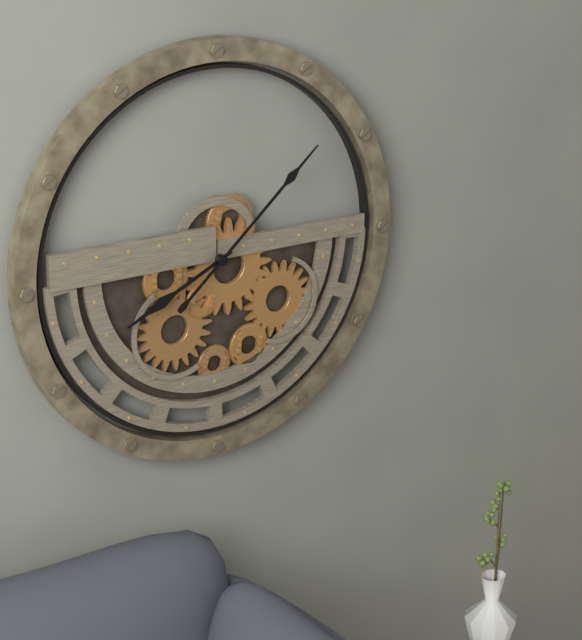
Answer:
8h08
